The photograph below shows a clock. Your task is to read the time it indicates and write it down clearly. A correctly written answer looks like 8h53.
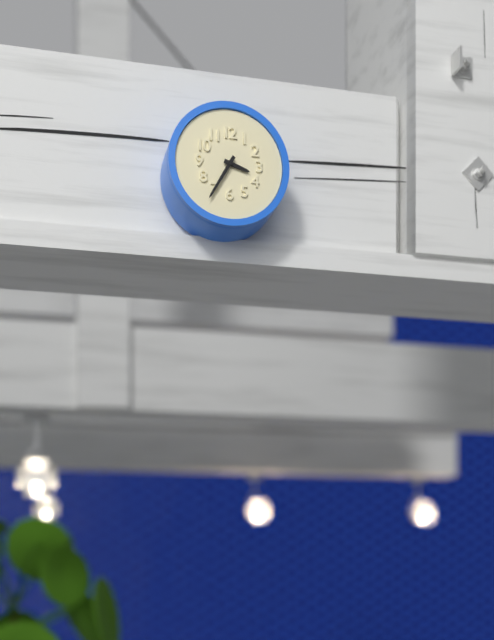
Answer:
3h35
